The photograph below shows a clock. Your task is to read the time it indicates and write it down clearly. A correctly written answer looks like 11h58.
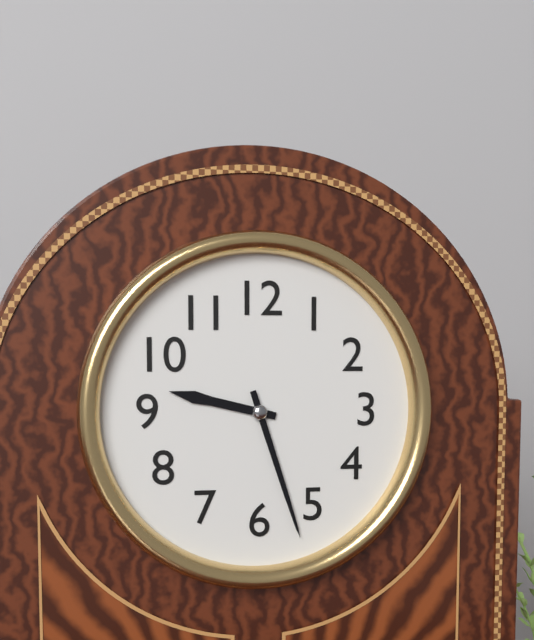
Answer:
9h27
